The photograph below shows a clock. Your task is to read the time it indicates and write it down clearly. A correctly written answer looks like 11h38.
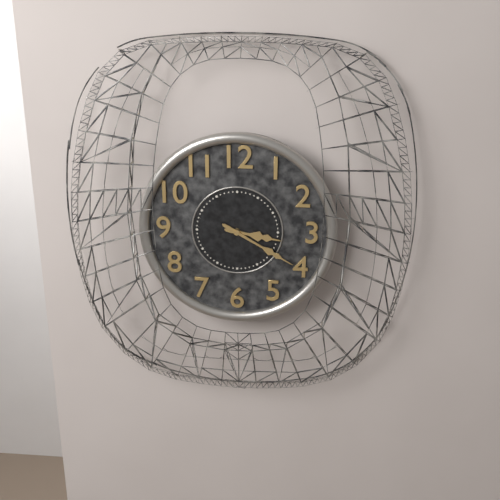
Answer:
3h20
